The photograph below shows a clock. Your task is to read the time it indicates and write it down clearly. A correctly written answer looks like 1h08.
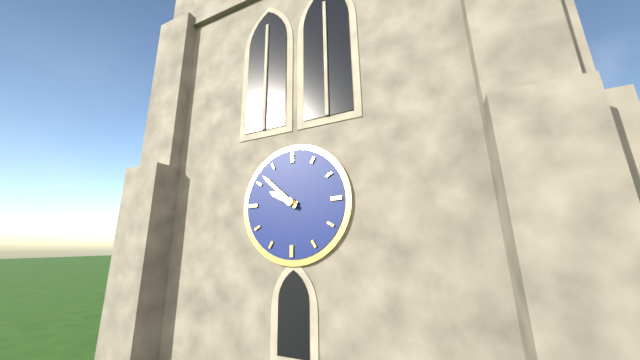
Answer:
9h52
